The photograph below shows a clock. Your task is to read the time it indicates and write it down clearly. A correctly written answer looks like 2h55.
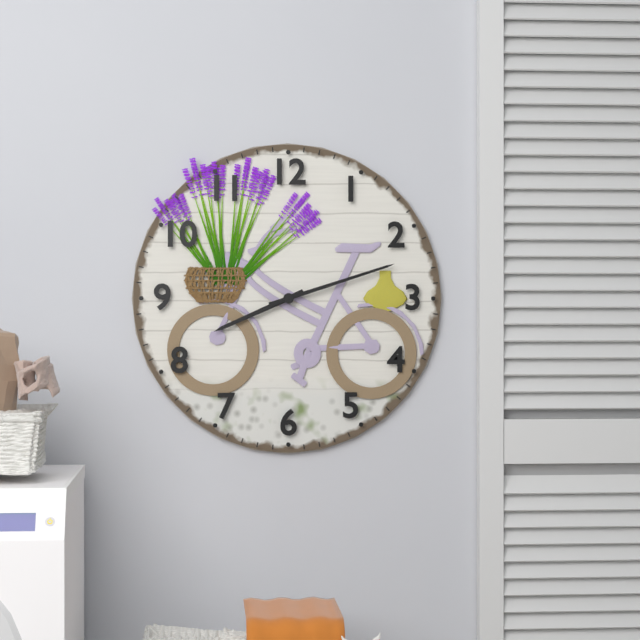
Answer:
8h12
